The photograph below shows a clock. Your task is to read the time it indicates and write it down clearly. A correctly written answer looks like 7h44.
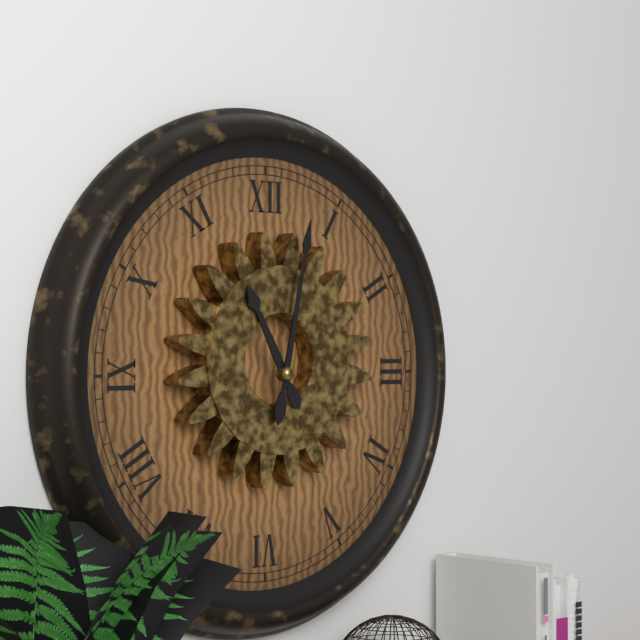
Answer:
11h02
